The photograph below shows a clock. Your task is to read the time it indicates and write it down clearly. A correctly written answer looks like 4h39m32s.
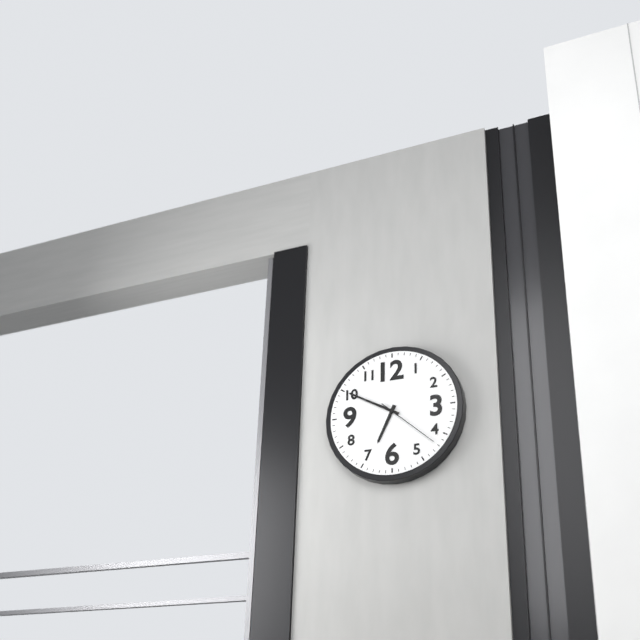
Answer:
6h50m22s
